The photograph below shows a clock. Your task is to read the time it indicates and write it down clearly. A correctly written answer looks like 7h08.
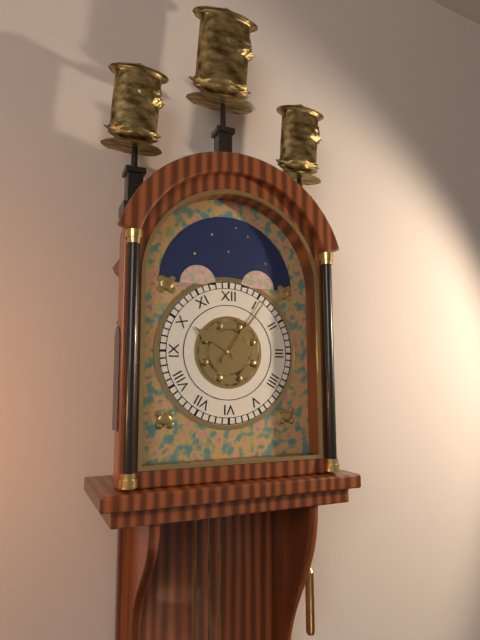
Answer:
10h06
